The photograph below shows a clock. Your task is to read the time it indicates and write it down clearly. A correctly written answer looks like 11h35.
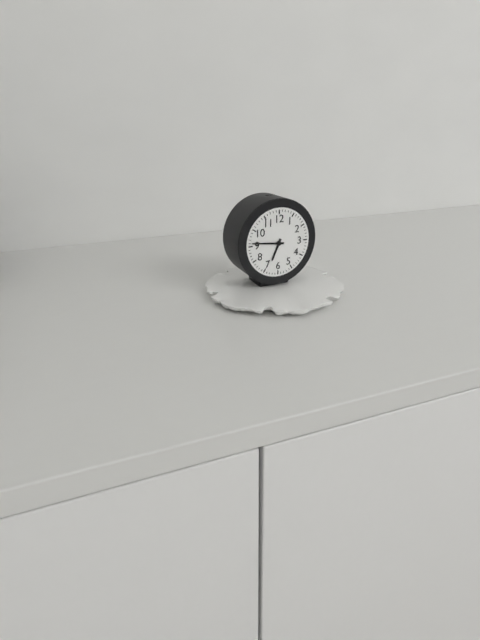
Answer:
6h46
